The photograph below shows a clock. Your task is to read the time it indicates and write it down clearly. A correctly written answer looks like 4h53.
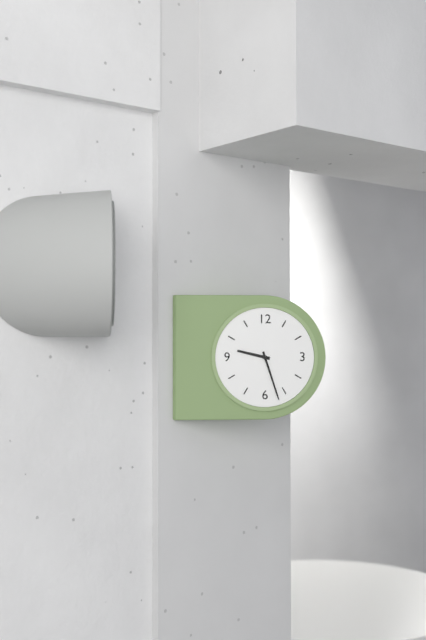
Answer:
9h27
